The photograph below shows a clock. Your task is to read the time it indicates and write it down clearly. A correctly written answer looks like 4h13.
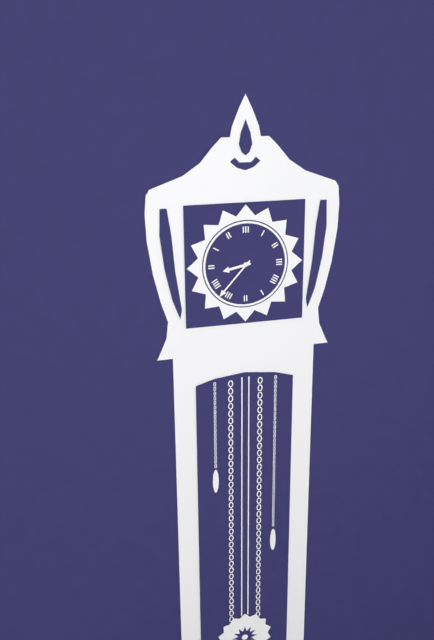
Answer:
8h37
